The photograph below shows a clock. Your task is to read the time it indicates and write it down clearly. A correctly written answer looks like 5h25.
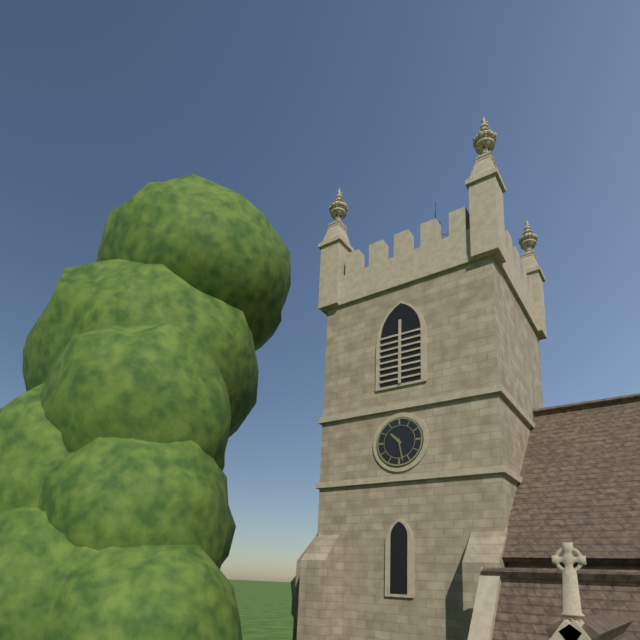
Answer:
10h28
